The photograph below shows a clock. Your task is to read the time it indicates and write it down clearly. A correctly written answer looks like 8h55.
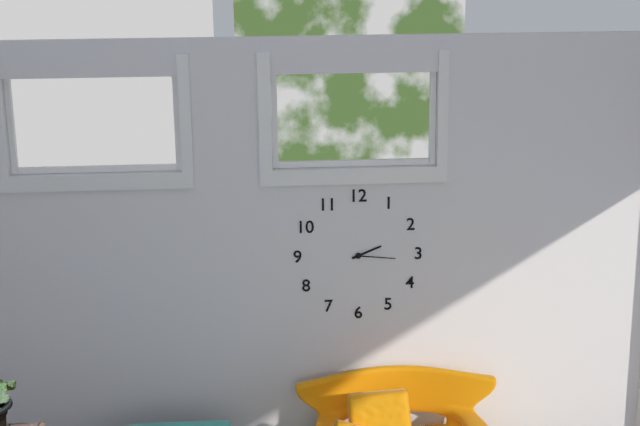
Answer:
2h16
